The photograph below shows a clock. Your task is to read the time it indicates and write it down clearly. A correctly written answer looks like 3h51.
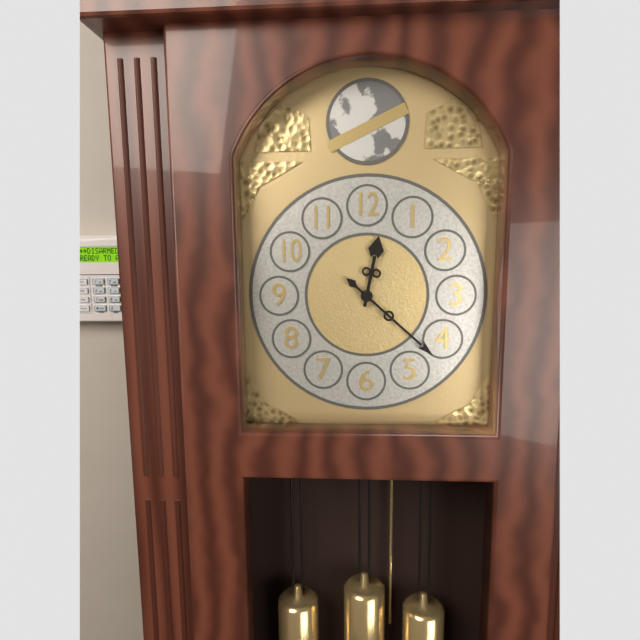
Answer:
12h22
